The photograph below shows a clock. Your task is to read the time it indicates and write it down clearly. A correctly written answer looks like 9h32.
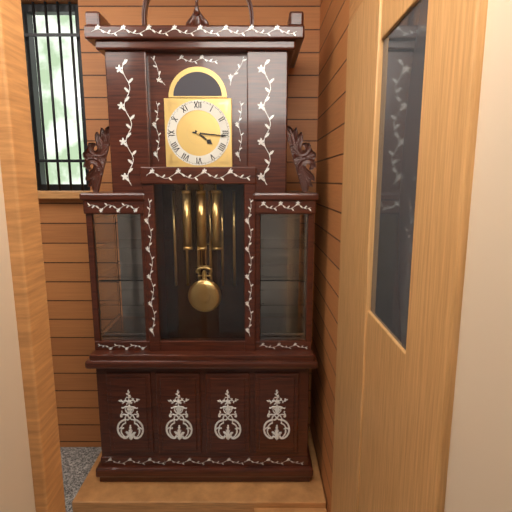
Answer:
4h16
